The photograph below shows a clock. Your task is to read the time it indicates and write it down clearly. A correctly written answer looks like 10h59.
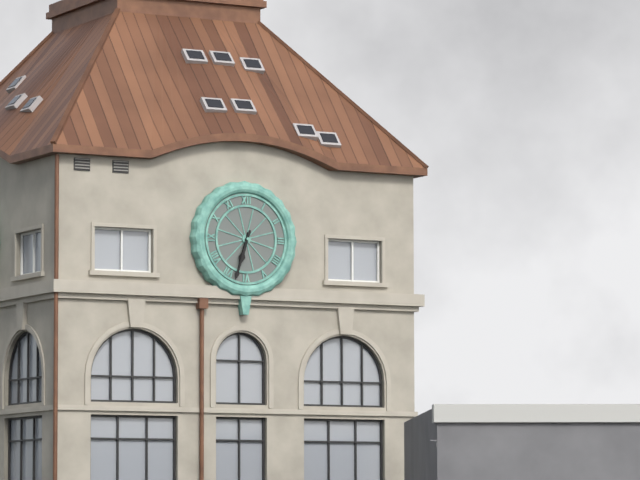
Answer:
6h33
